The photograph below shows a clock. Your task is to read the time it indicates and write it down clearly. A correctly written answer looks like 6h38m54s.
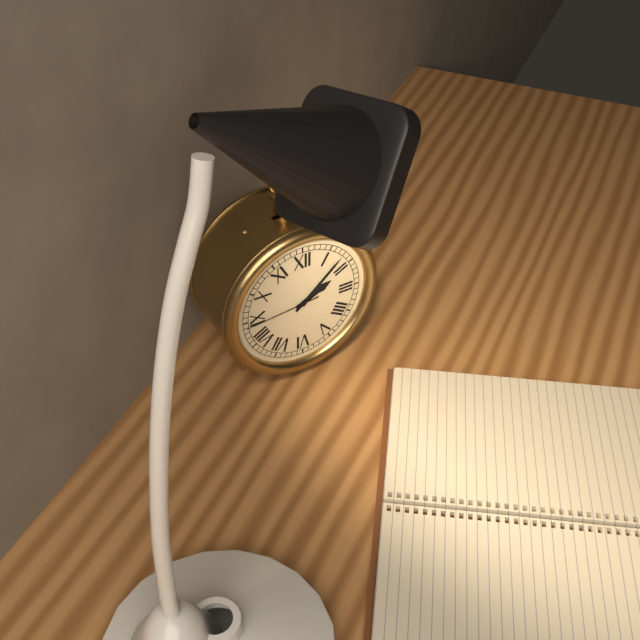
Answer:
2h08m44s
